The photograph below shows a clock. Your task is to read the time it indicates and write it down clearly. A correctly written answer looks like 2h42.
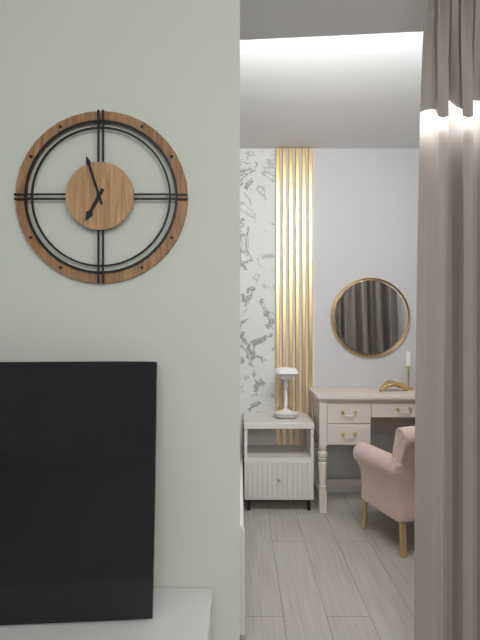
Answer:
6h57
